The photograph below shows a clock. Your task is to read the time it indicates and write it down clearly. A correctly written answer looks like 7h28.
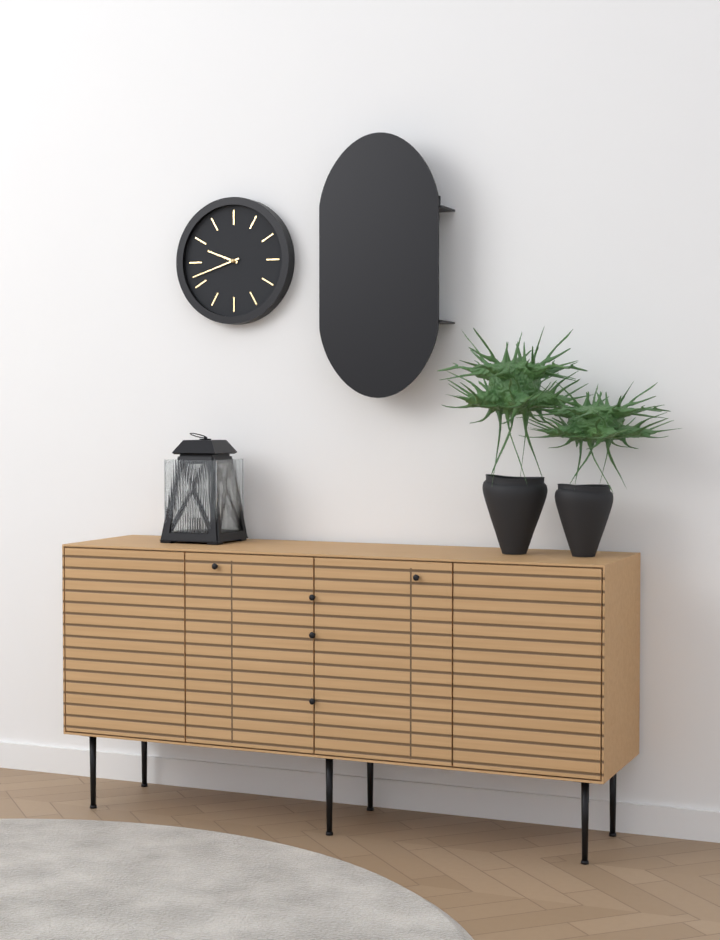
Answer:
9h42
